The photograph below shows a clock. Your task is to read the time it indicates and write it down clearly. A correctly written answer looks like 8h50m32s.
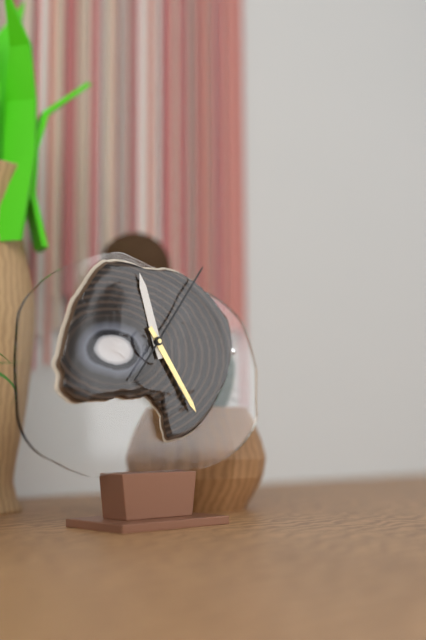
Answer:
11h24m06s
